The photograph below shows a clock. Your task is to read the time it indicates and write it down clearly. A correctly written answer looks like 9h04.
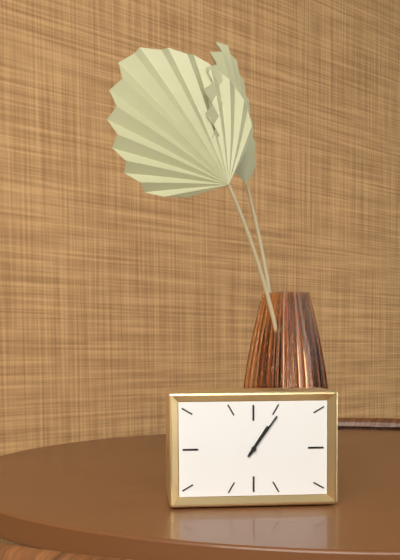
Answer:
1h06
